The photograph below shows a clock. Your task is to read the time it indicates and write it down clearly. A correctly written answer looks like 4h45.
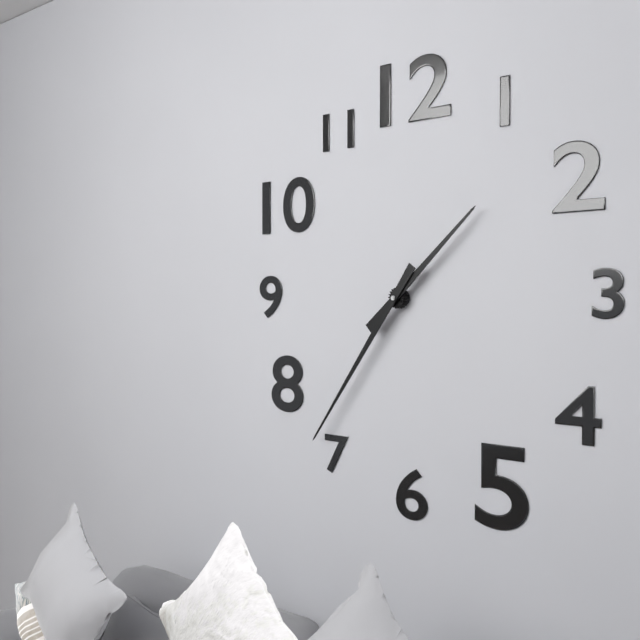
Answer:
1h36
